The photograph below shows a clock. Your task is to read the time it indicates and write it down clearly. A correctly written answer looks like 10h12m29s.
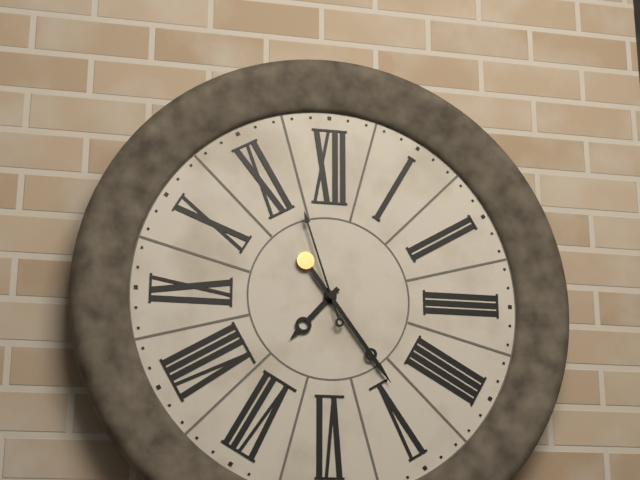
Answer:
7h24m57s
